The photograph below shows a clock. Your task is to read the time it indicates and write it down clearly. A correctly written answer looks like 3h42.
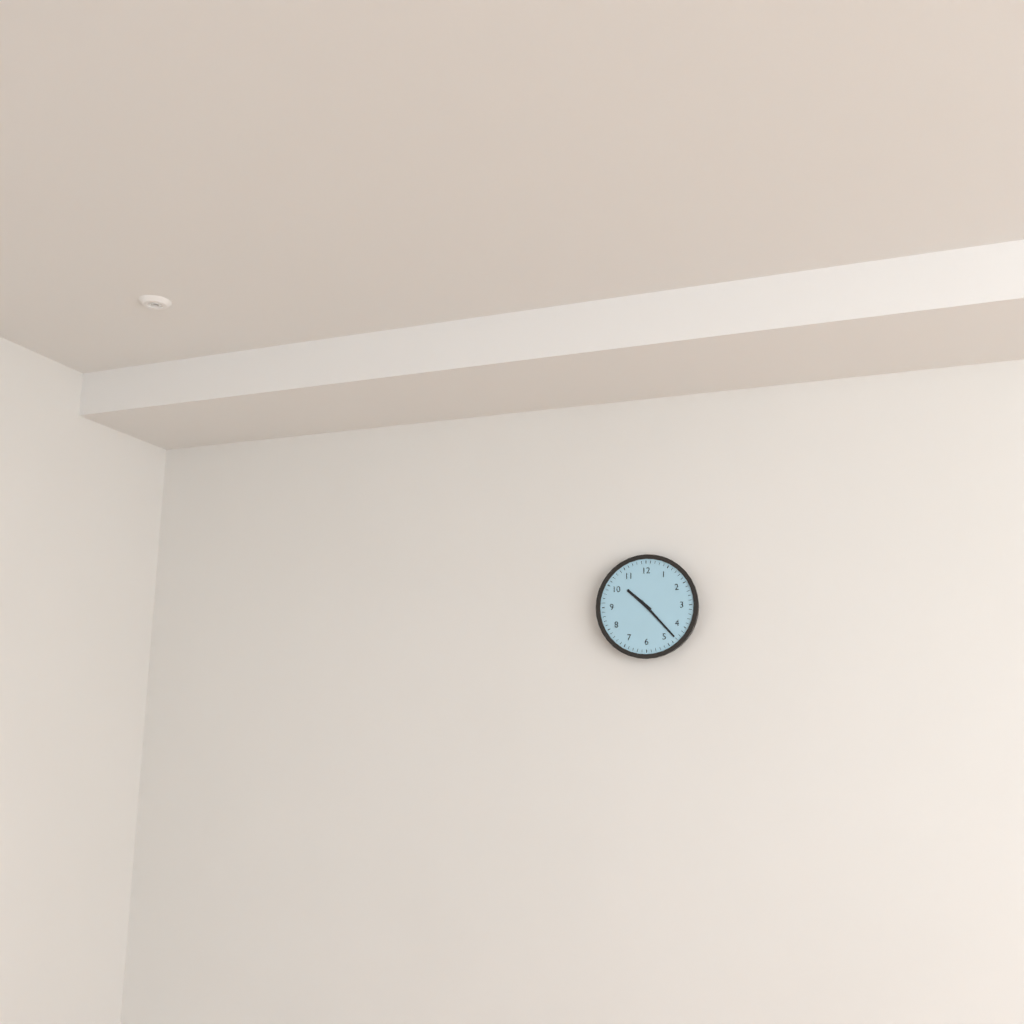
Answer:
10h23
